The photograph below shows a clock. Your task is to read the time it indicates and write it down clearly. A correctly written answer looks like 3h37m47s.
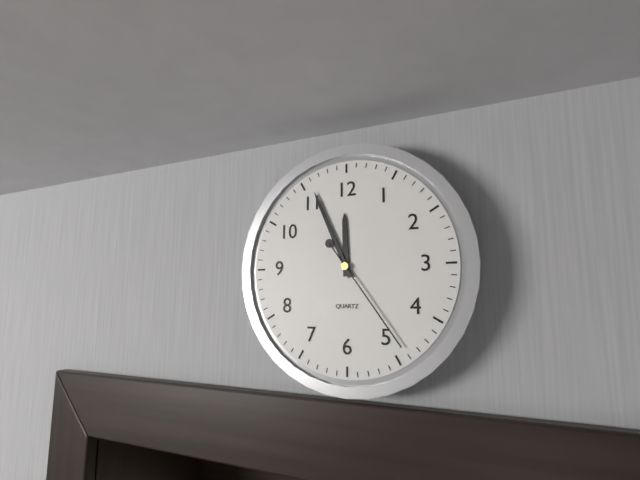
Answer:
11h56m24s
